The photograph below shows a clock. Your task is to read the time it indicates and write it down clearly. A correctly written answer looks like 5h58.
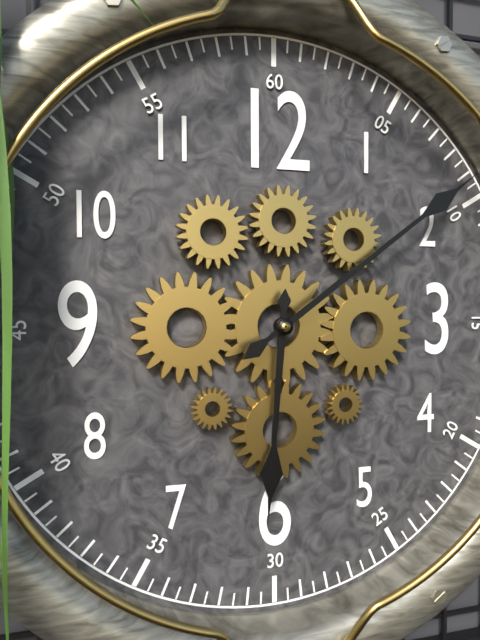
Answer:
6h09
